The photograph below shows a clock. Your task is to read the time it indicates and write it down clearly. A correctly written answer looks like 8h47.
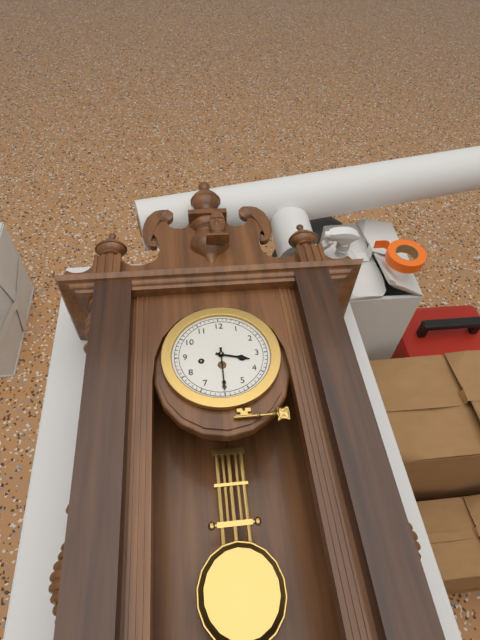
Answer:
3h30
